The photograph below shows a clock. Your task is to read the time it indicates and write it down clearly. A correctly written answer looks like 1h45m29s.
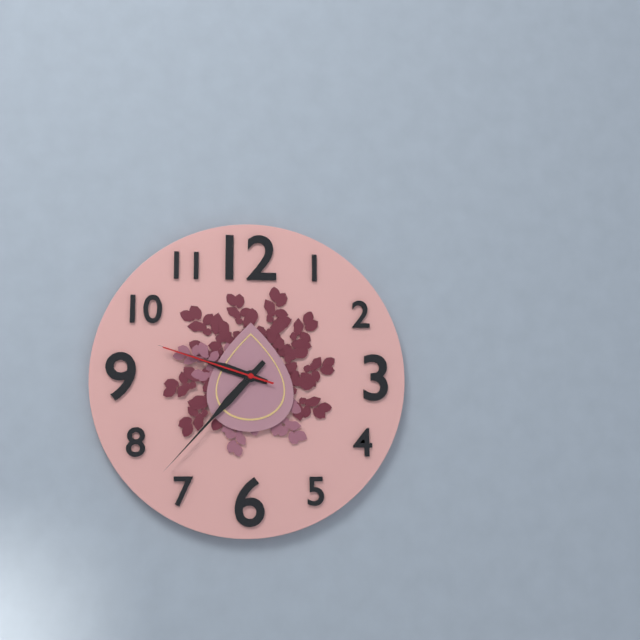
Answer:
9h37m48s
